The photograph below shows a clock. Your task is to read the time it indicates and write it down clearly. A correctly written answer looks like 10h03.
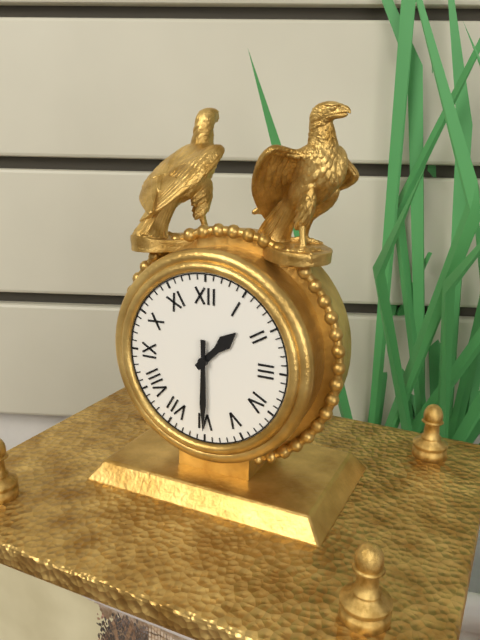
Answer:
1h30
